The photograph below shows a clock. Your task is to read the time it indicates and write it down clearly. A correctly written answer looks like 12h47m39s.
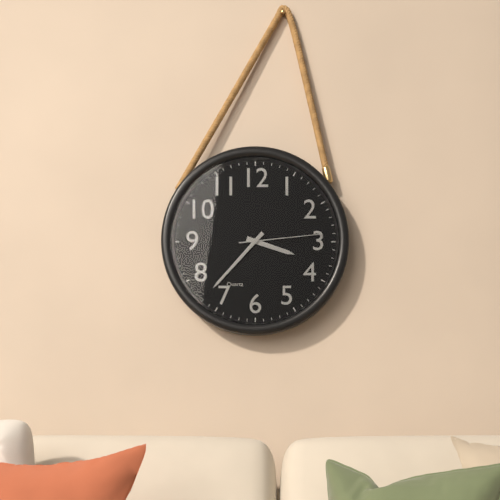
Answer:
3h37m14s
